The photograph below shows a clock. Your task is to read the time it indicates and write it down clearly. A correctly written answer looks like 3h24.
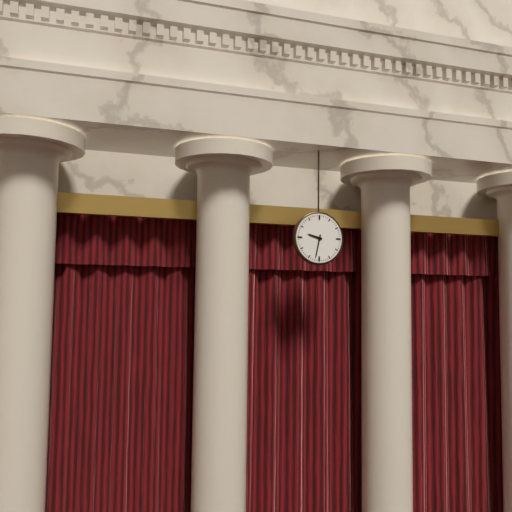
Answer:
9h32
